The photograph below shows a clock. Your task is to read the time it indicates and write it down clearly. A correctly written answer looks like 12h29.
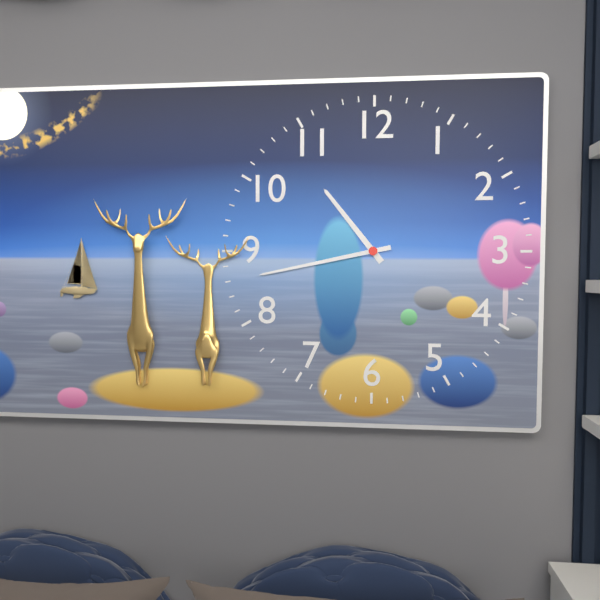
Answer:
10h43
